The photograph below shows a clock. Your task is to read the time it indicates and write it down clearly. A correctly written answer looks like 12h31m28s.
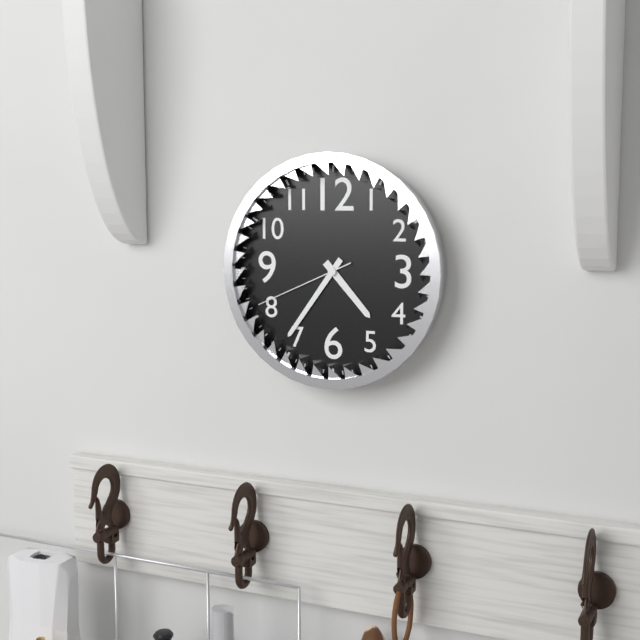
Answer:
4h36m41s
